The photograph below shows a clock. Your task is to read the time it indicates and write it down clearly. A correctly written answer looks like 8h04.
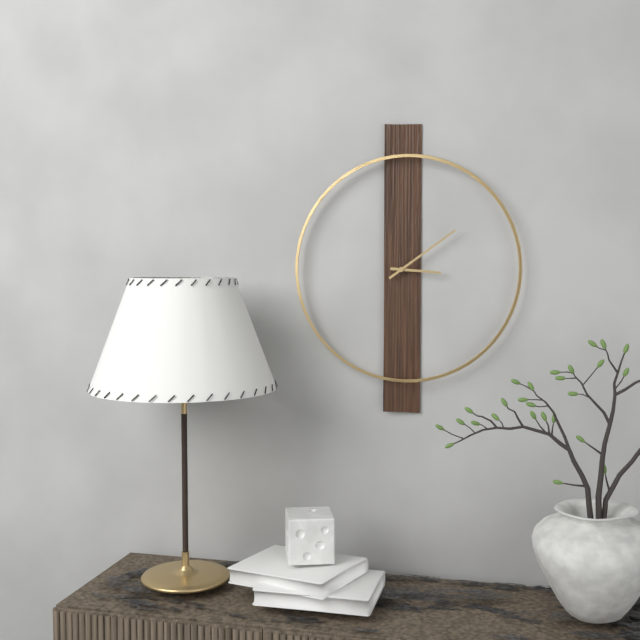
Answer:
3h09
